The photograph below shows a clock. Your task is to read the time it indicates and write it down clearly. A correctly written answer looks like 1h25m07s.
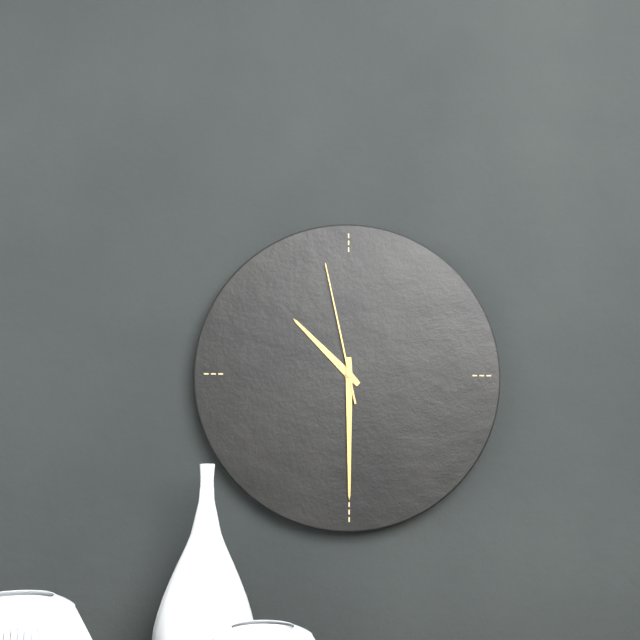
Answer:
10h30m58s
